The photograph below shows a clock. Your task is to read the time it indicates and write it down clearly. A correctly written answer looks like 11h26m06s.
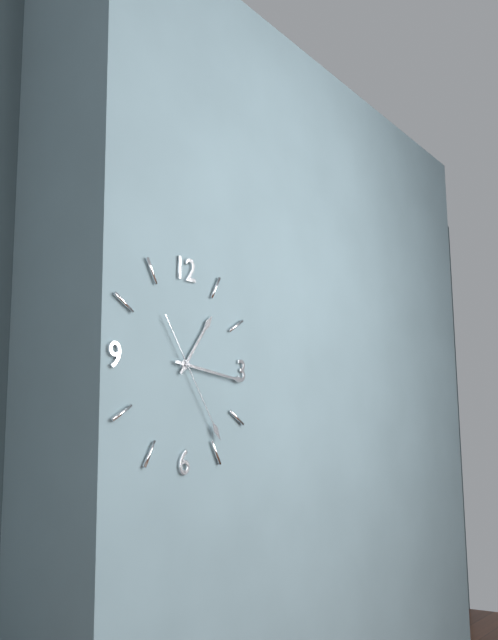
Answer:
1h16m24s
